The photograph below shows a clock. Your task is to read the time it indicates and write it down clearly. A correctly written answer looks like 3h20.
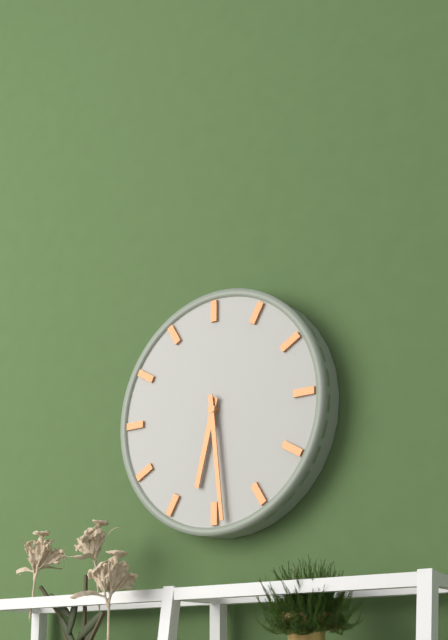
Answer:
6h29
